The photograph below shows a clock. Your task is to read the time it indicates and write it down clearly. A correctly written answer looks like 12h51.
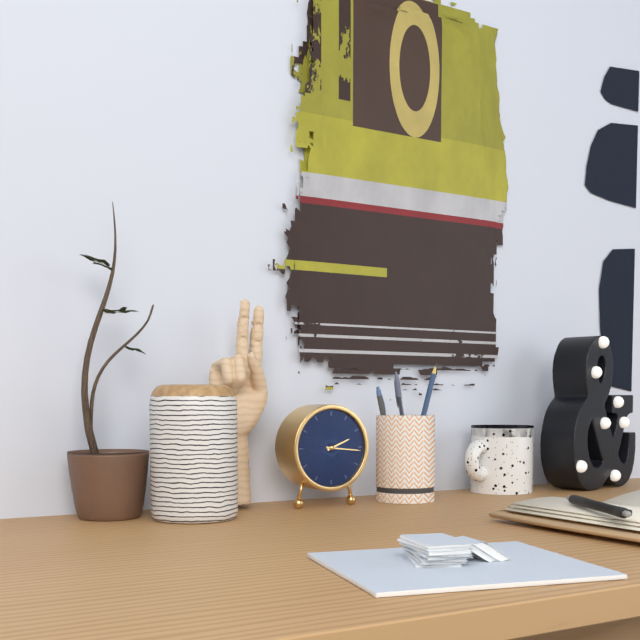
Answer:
2h16
